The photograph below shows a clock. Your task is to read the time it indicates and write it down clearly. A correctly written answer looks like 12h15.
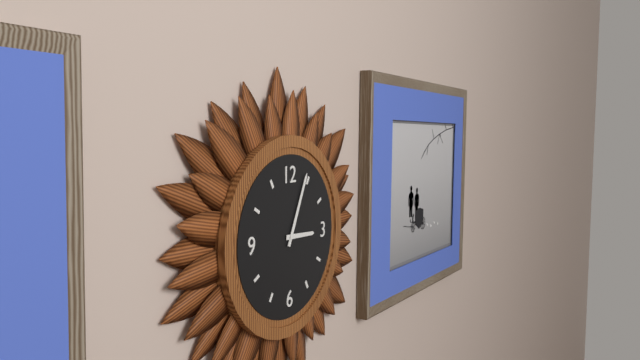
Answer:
3h04
